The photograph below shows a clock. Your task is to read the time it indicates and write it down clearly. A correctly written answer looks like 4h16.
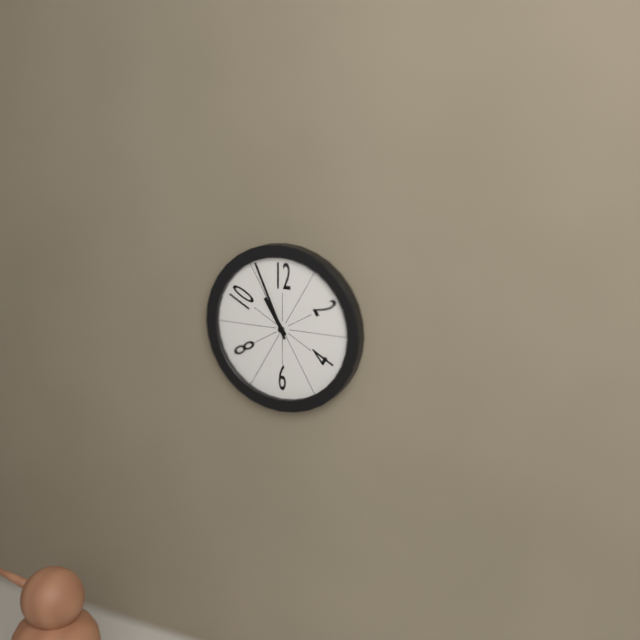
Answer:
10h56
